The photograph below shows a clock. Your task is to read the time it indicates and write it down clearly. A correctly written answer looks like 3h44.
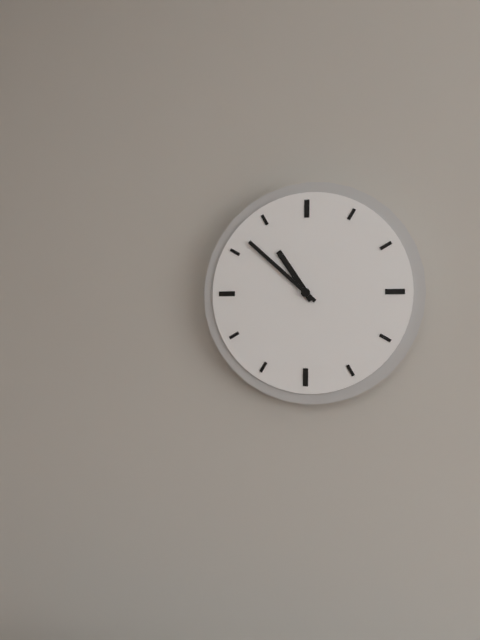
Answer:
10h52
